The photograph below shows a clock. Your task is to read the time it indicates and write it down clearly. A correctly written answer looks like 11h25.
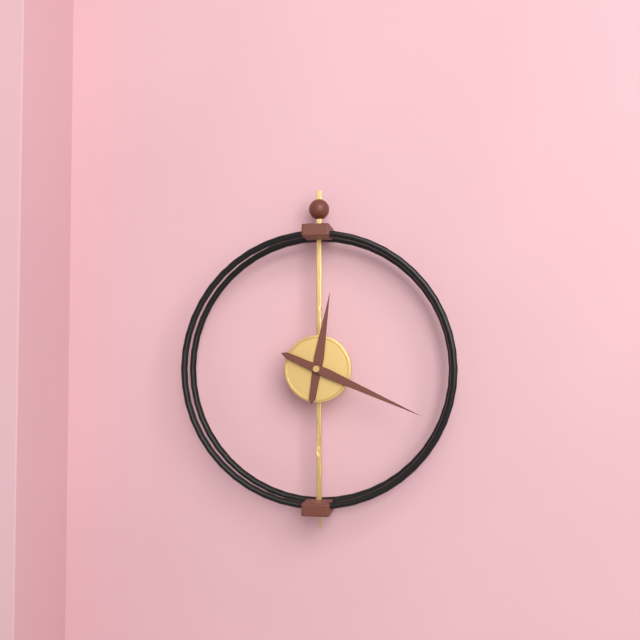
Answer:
12h19
